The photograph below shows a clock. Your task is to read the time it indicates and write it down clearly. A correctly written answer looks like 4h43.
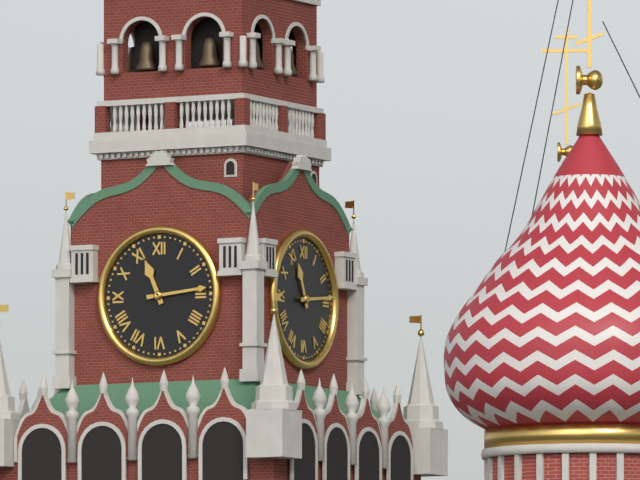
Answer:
11h14
